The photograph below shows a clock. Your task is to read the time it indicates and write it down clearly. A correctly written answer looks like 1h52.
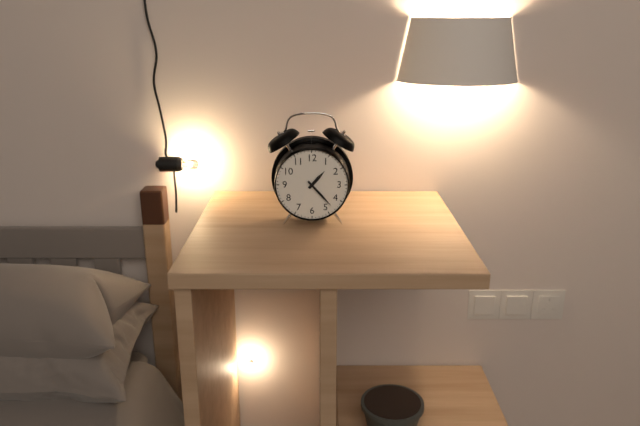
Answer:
1h23
